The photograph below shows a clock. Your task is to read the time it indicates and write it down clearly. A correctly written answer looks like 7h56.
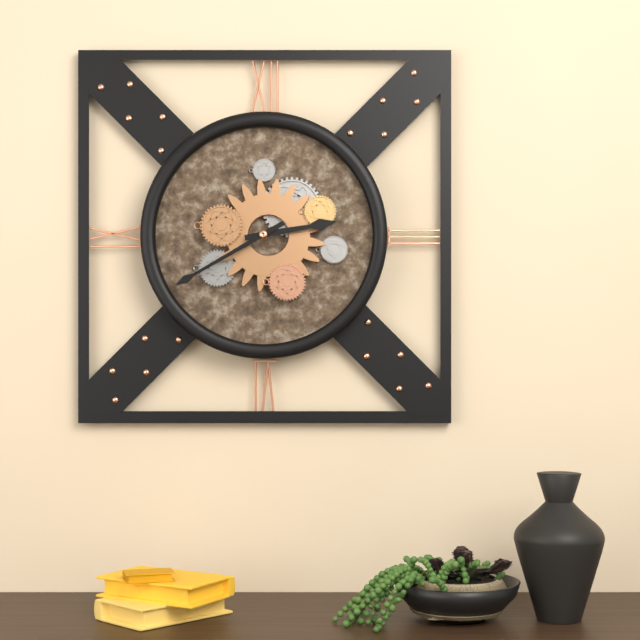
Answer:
2h40
